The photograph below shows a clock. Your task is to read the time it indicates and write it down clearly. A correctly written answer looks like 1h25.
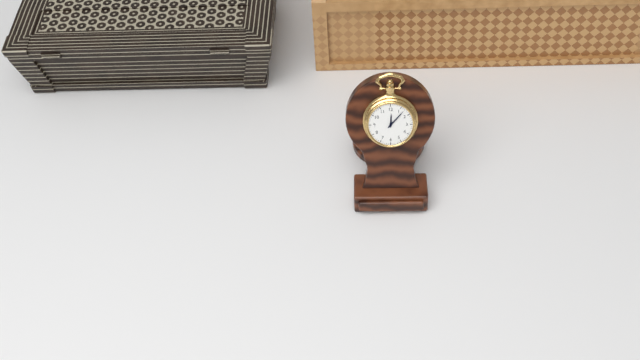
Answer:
12h07
